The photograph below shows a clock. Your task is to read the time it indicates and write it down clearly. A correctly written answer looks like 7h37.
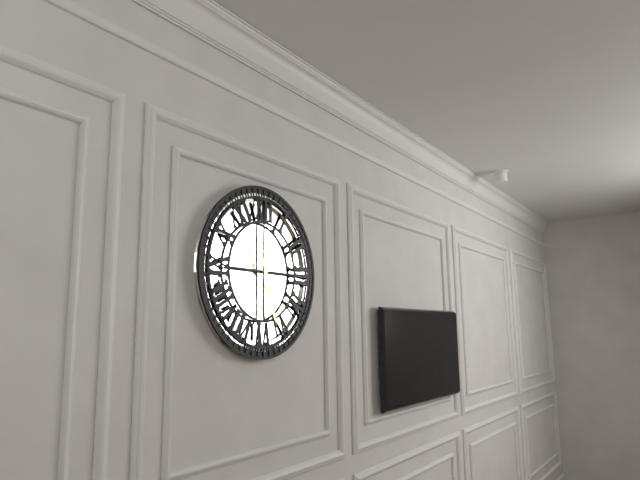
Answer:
4h27
